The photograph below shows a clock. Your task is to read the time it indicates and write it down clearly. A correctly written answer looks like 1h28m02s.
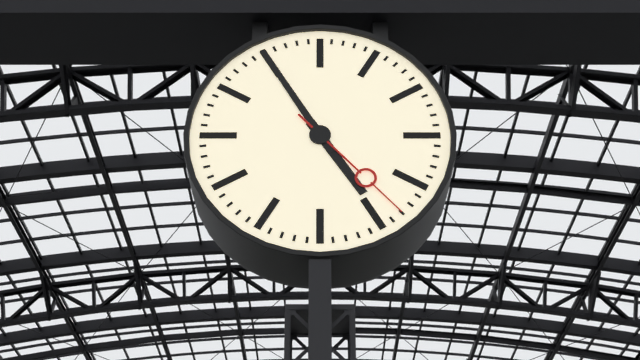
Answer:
4h55m23s
